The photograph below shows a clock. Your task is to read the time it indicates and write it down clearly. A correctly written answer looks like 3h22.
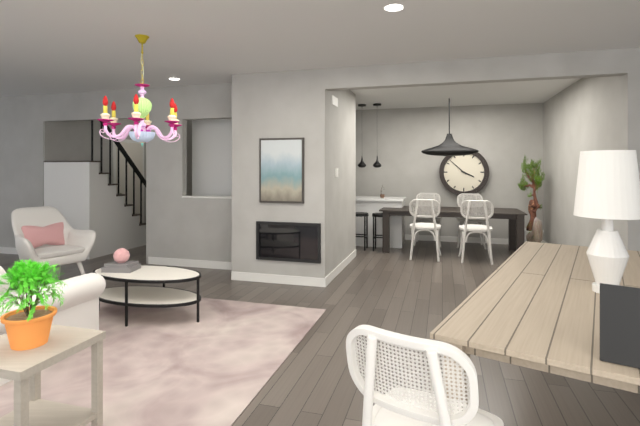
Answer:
3h52
